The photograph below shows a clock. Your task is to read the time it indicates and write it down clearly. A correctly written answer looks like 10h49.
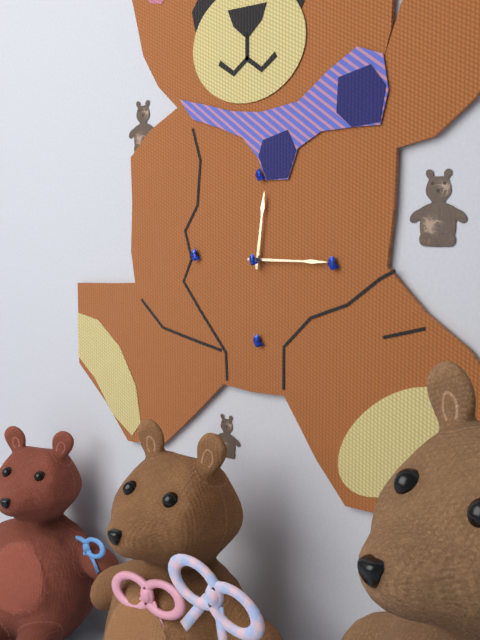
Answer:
12h15
